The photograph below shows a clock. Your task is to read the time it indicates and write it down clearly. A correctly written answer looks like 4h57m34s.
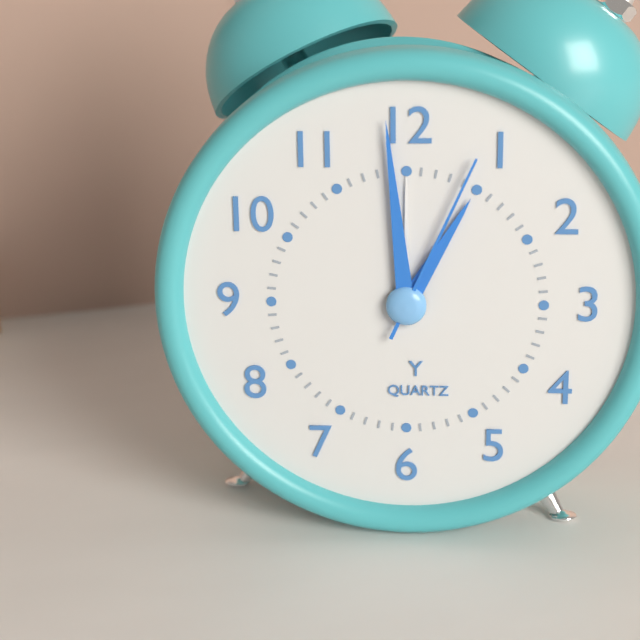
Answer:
12h59m04s
